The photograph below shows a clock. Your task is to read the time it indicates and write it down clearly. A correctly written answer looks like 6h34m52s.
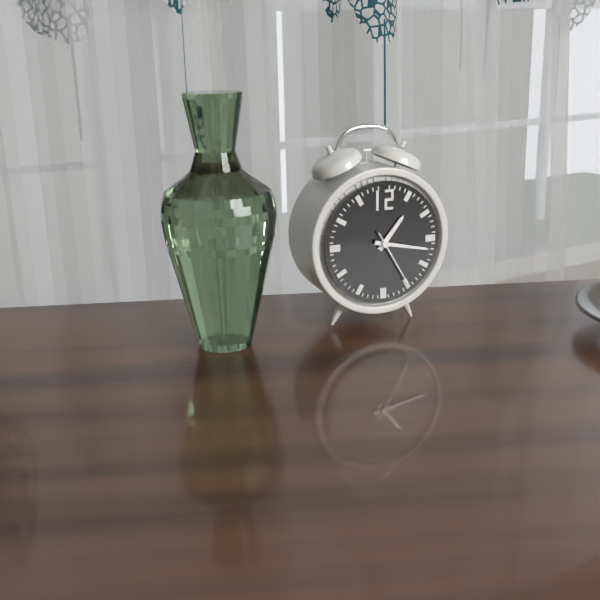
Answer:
1h17m25s
